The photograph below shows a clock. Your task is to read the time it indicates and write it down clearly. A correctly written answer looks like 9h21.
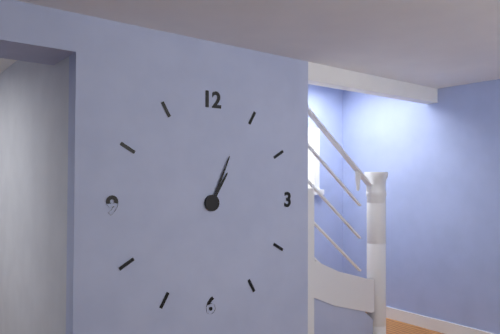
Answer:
1h04
